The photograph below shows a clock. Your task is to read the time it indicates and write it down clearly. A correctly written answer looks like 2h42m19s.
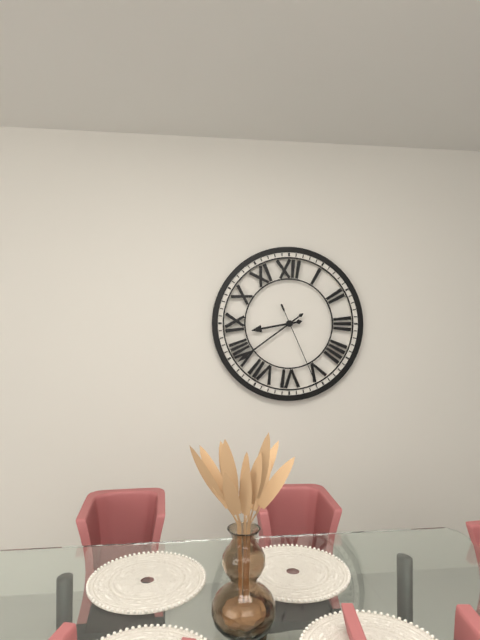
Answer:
8h39m26s
